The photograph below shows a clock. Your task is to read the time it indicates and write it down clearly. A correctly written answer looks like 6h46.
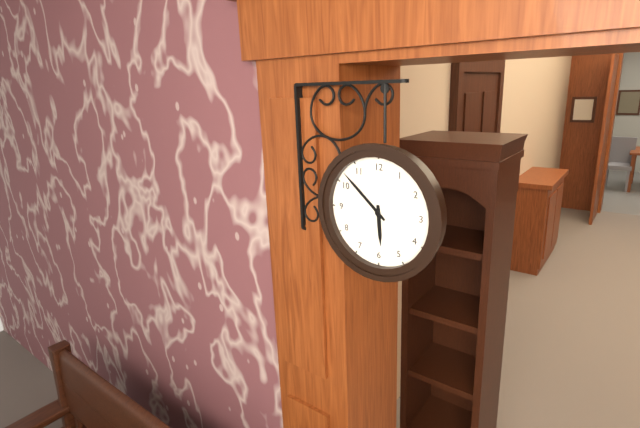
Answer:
5h52
